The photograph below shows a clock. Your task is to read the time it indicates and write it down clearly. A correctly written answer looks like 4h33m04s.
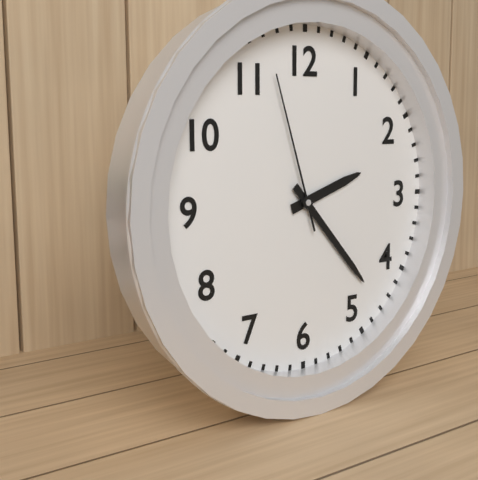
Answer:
2h23m57s
